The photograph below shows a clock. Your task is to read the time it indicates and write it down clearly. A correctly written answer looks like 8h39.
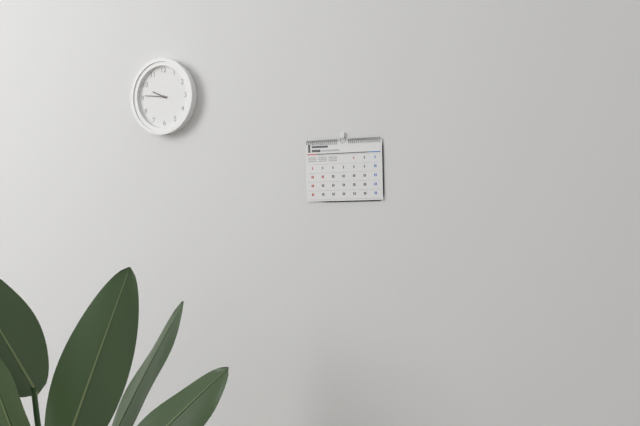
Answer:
9h46
